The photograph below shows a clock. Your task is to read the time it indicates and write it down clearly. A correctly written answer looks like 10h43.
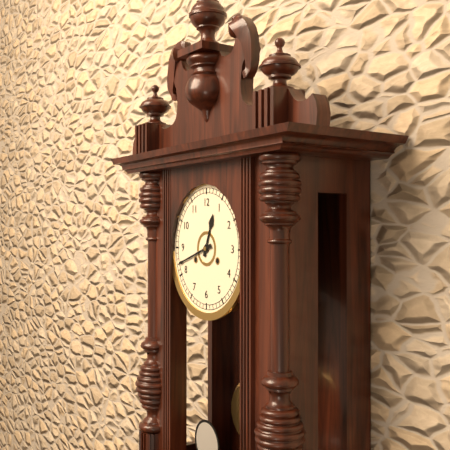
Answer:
12h42
